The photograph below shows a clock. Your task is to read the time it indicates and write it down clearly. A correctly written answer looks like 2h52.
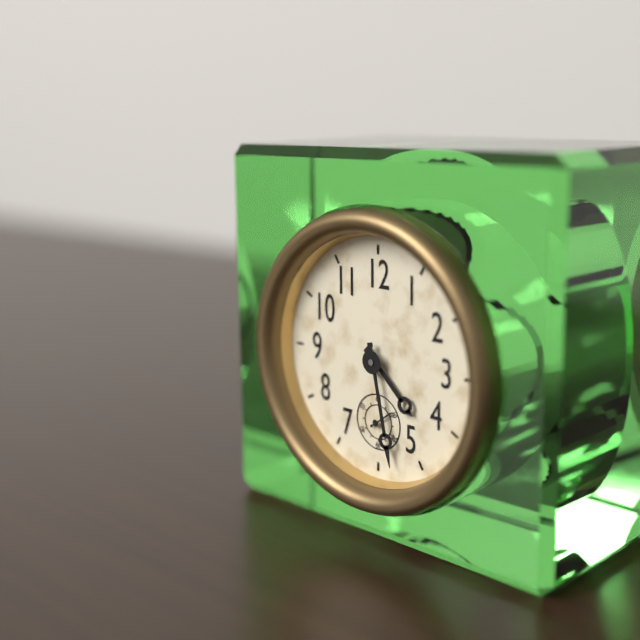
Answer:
4h28
